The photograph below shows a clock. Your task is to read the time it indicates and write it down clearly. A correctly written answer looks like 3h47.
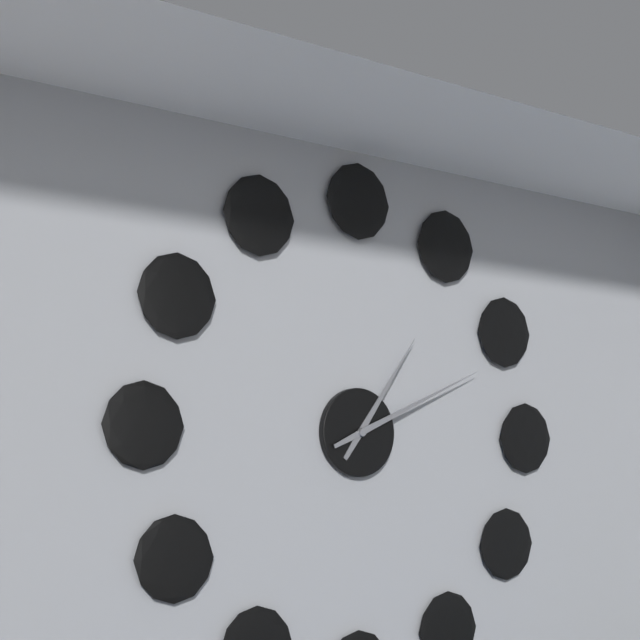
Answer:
1h11
